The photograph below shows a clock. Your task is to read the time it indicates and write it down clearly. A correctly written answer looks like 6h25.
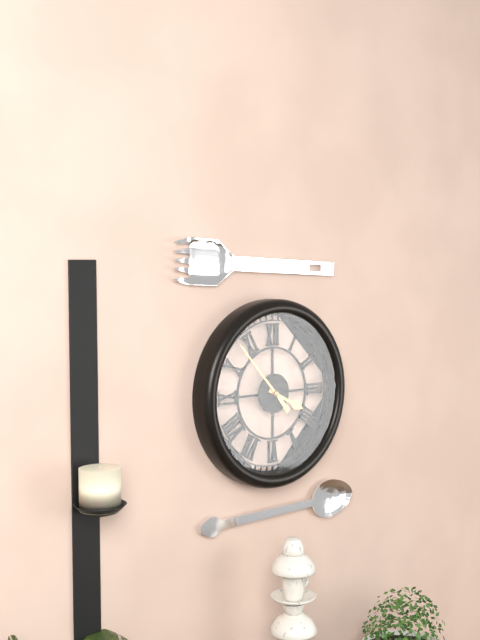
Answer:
3h53
